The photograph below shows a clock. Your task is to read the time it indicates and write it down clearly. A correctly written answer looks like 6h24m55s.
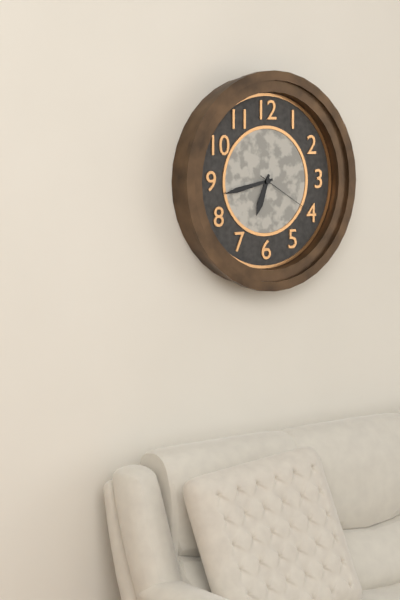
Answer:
6h43m20s
